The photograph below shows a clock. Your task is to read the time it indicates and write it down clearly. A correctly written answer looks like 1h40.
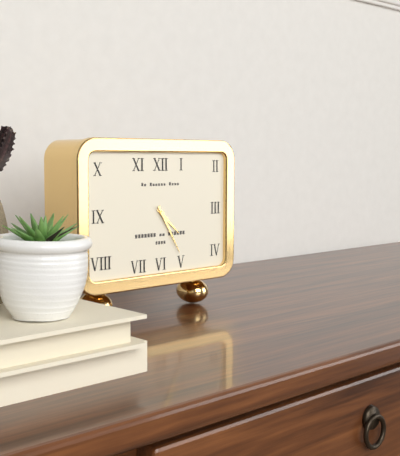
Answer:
4h25
